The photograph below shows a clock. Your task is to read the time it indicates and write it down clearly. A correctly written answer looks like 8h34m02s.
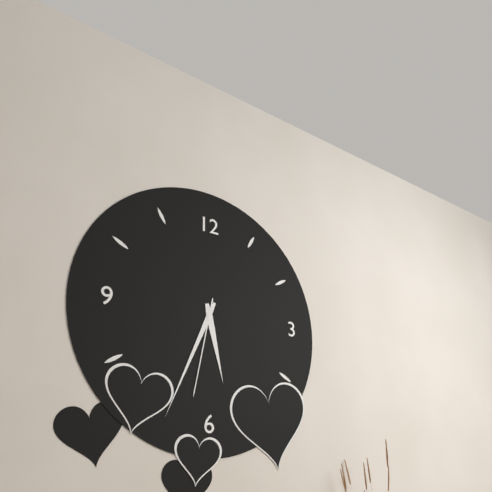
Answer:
5h34m32s
